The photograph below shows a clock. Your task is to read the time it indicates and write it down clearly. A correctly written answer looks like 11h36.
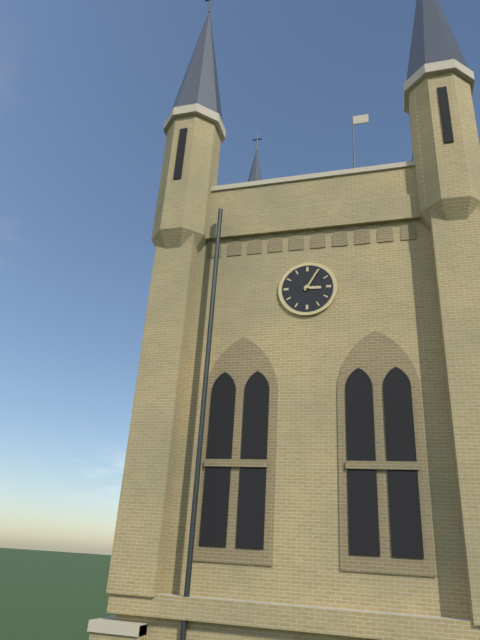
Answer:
3h05
